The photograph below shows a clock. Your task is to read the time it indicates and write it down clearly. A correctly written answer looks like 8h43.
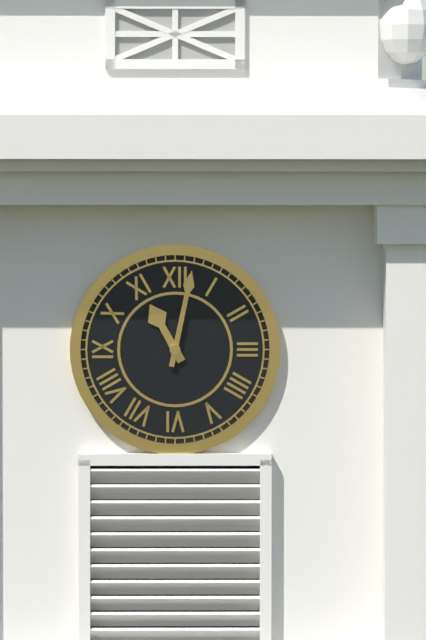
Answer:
11h02
